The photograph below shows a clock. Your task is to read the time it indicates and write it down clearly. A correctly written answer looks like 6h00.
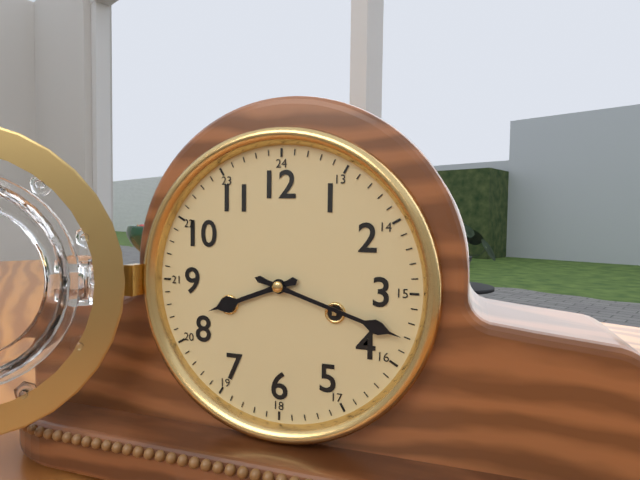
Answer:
8h18
